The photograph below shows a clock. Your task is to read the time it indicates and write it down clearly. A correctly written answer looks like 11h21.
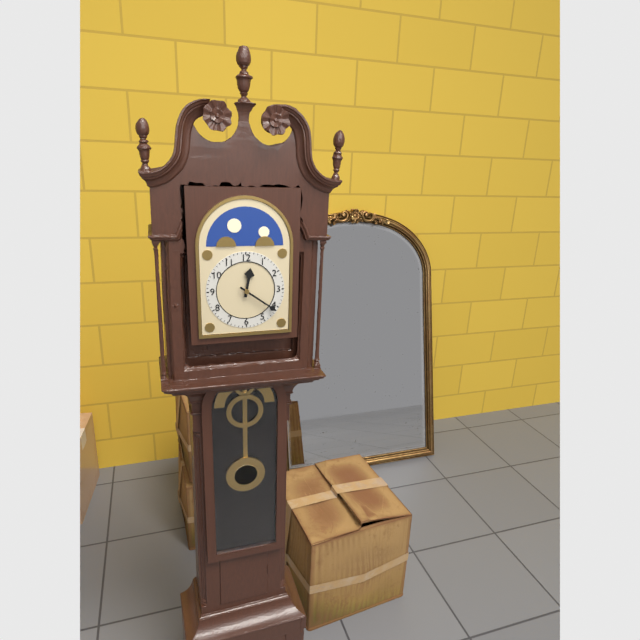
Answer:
12h21
